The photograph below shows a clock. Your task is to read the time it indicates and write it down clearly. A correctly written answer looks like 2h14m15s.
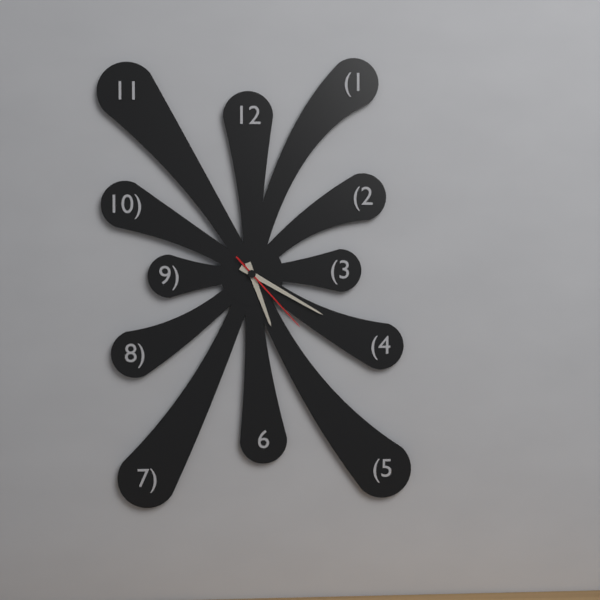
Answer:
5h20m23s
